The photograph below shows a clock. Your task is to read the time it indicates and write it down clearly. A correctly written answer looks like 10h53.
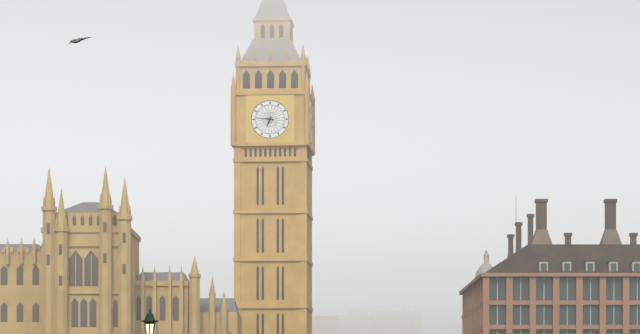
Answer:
6h46
